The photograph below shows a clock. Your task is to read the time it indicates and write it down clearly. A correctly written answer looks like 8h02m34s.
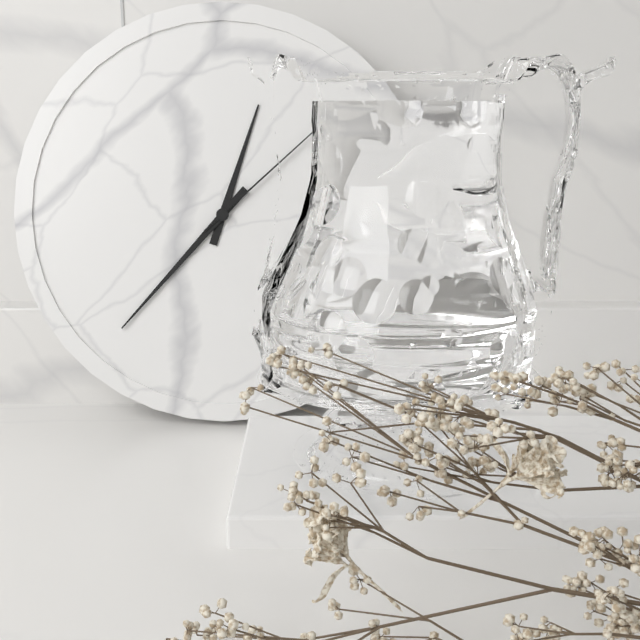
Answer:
12h37m08s
